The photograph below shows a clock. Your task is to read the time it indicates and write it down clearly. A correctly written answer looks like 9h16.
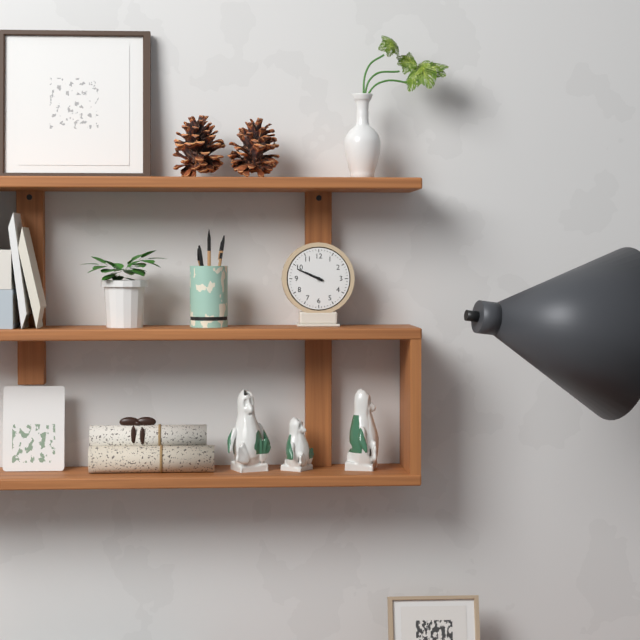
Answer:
9h49
